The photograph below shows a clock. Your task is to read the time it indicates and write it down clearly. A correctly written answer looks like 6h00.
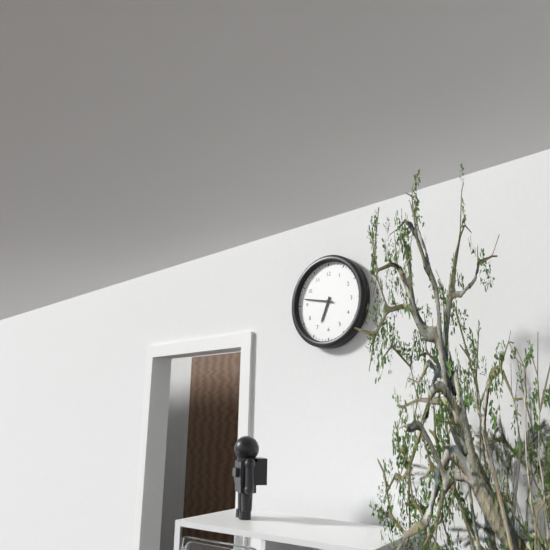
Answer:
6h47
